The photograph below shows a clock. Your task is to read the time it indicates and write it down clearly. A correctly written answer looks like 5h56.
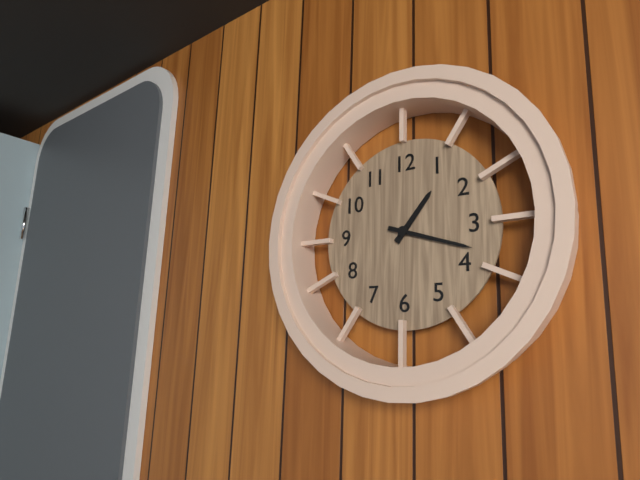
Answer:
1h18
